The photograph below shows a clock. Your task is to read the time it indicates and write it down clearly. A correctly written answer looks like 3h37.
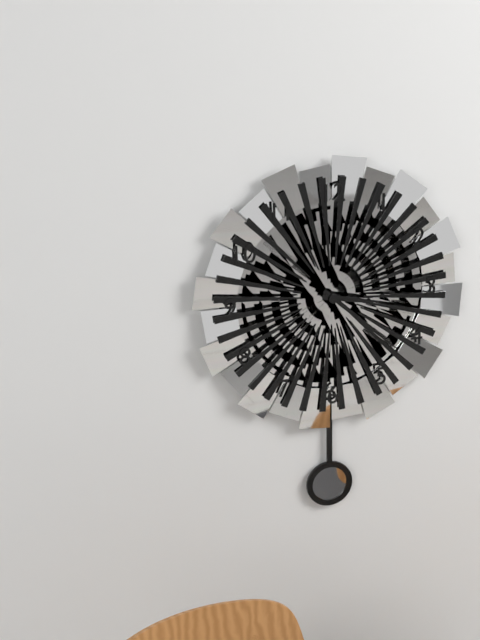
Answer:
3h22
